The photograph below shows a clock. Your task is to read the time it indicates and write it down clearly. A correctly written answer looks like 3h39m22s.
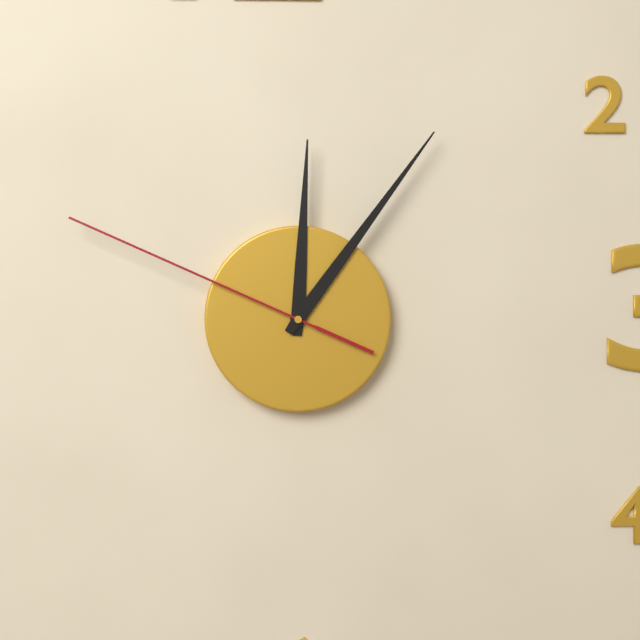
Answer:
12h06m49s
